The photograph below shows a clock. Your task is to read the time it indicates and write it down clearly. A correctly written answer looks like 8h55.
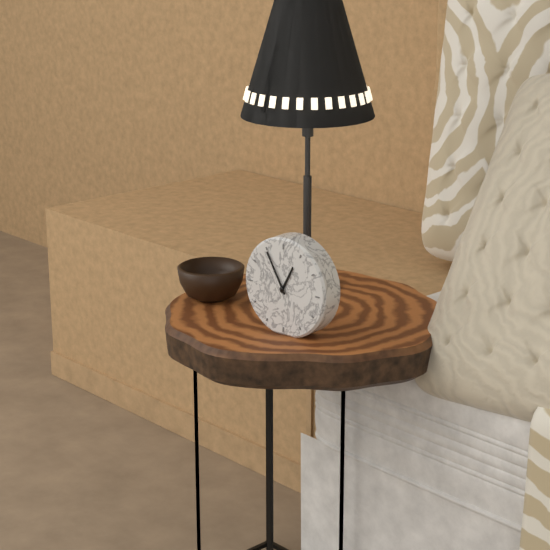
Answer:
12h55
